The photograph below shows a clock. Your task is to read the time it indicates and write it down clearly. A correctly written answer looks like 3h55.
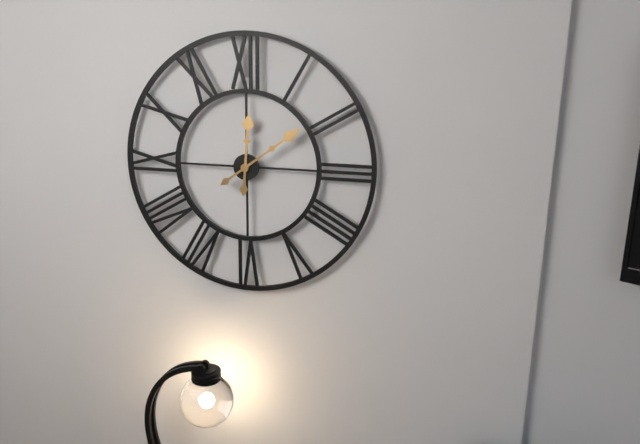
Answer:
12h09
